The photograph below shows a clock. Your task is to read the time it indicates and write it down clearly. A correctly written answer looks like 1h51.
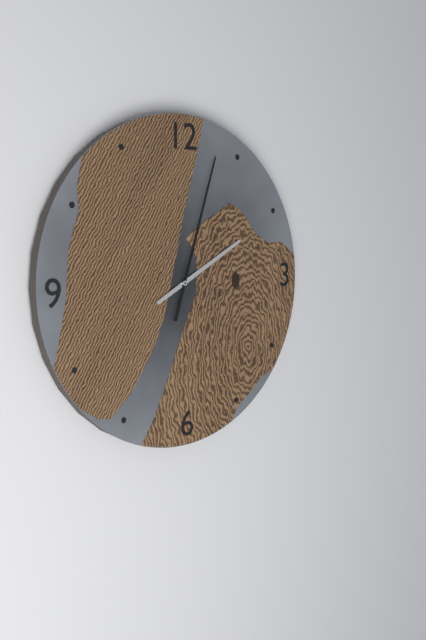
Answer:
2h03
